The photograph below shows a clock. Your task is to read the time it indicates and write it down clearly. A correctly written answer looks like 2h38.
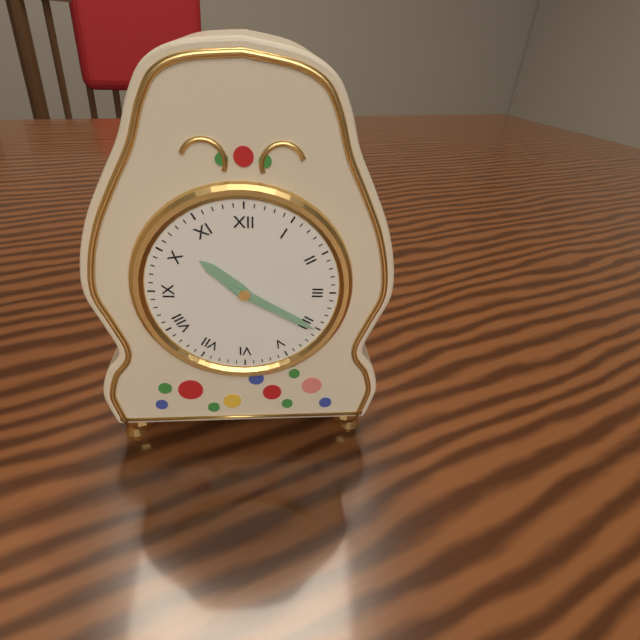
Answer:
10h20
